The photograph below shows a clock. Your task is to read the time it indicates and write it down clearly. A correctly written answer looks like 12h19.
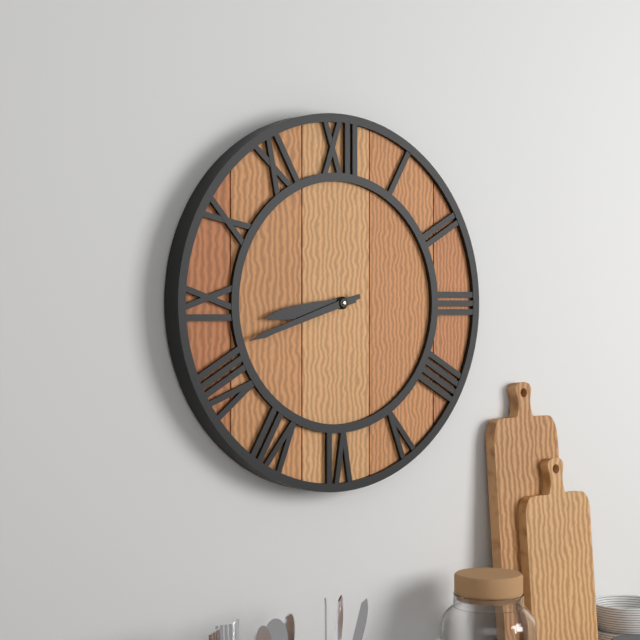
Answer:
8h42
